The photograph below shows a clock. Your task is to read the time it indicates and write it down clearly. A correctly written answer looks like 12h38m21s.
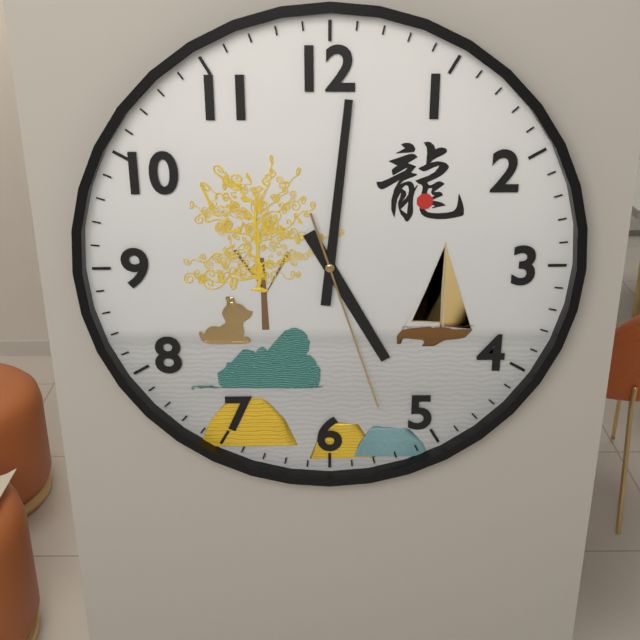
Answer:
5h01m27s
